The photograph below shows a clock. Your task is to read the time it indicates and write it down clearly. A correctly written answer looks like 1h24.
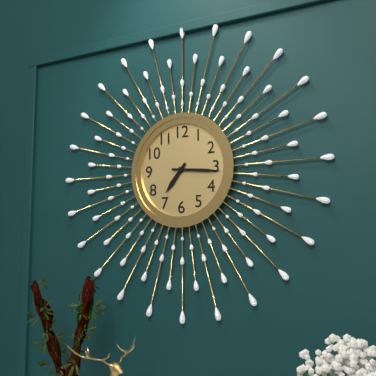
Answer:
7h16
